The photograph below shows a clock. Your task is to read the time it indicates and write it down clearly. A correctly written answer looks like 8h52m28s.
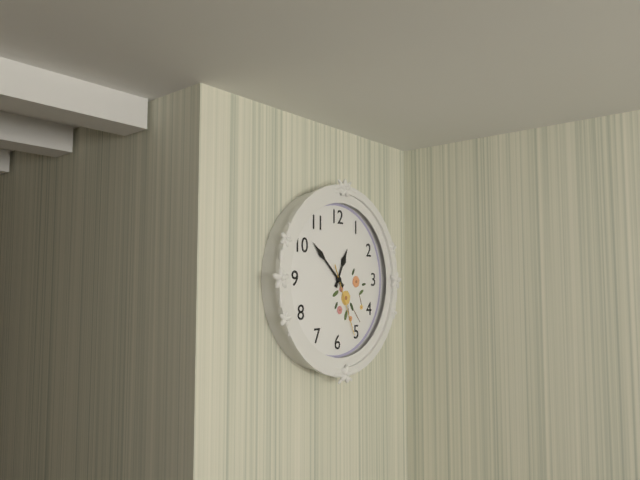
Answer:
12h52m26s
